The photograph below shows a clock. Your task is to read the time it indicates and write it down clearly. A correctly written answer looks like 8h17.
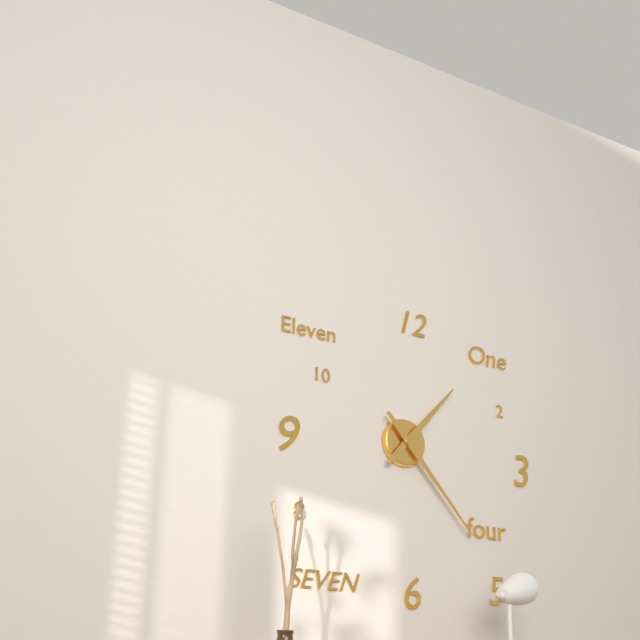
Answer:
1h23
